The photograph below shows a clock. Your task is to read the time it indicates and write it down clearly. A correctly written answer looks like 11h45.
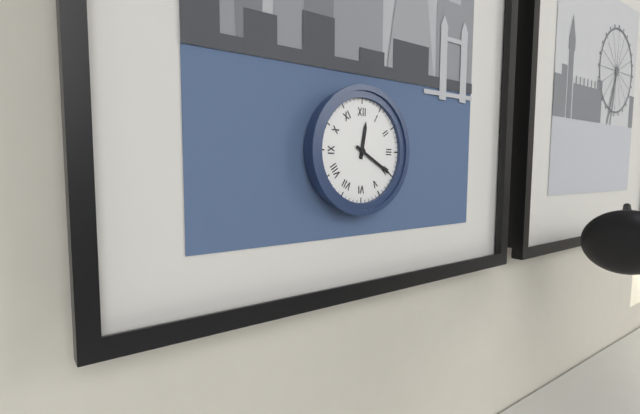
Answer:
12h20
